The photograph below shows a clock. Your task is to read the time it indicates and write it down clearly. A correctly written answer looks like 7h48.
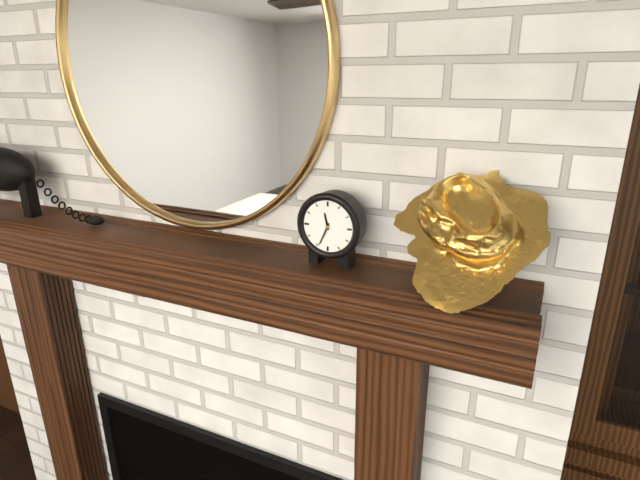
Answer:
11h34
